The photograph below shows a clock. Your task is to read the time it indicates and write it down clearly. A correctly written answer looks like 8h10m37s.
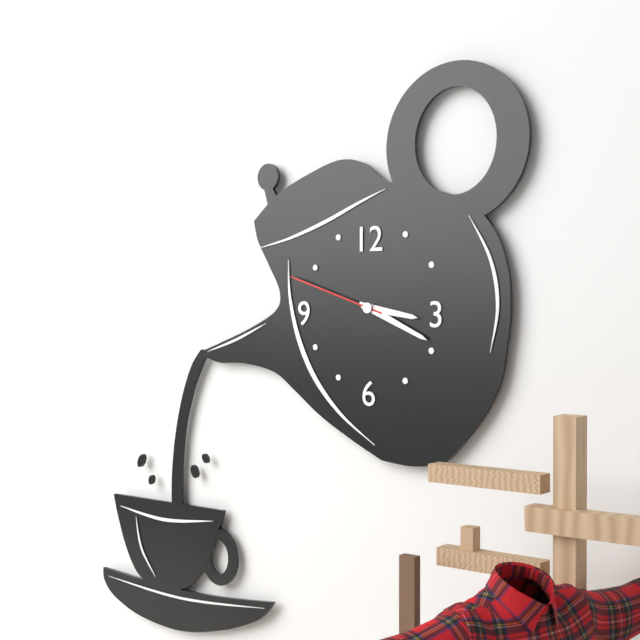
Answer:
3h19m48s
